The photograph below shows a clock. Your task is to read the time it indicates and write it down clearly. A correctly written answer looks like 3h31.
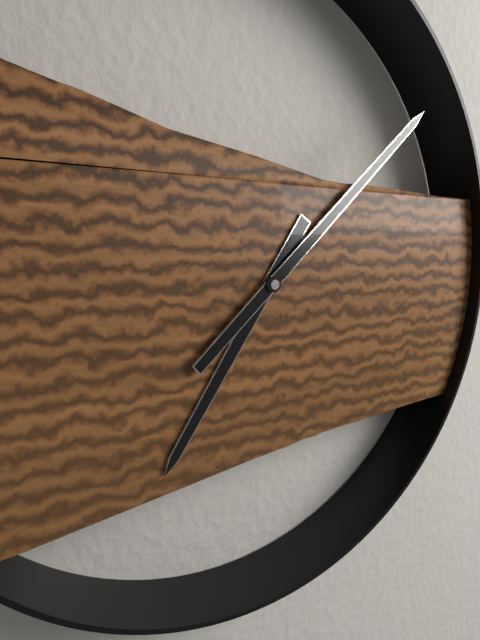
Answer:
7h08
